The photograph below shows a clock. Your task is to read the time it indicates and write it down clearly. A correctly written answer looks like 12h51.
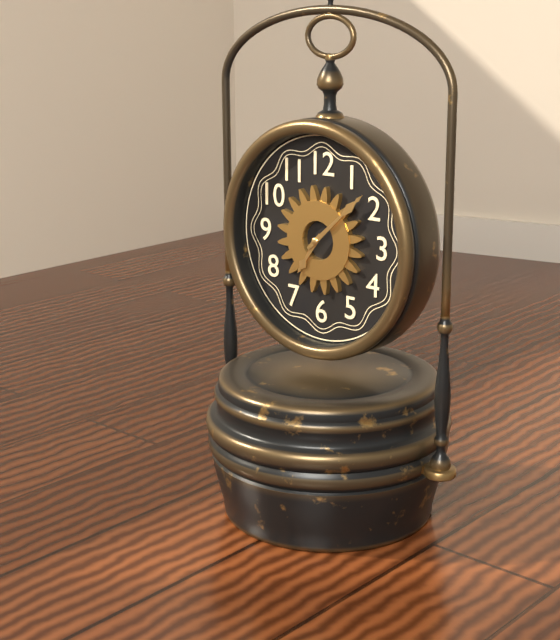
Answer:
7h08
